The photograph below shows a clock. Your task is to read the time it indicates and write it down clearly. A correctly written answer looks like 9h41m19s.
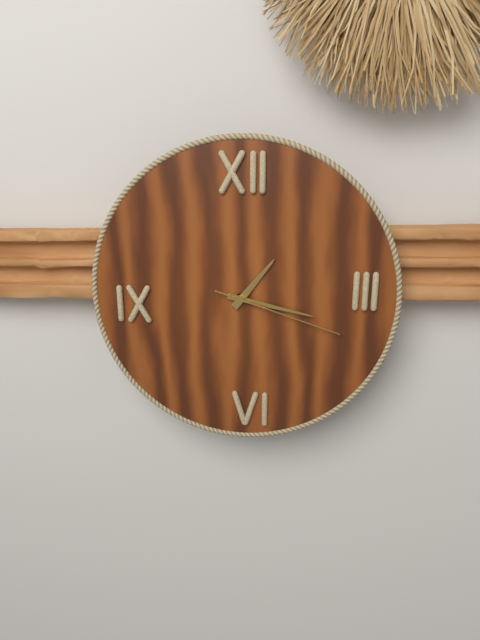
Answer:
1h17m18s
